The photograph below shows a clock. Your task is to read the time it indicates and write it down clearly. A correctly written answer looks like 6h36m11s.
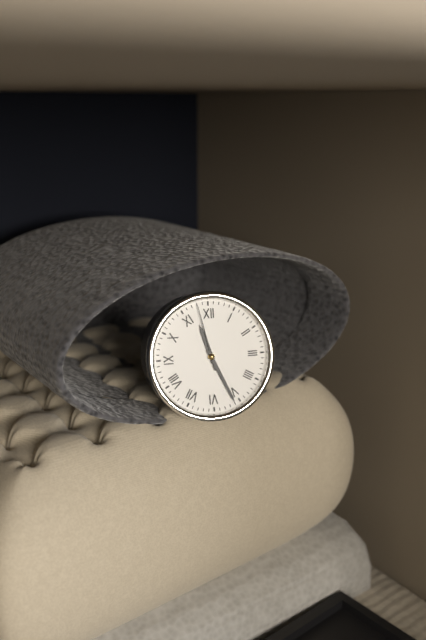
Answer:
11h26m58s
